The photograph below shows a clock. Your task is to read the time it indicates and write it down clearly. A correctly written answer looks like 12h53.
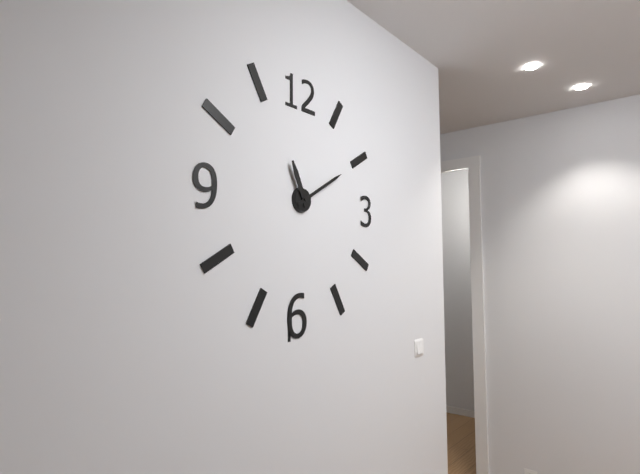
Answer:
11h10
